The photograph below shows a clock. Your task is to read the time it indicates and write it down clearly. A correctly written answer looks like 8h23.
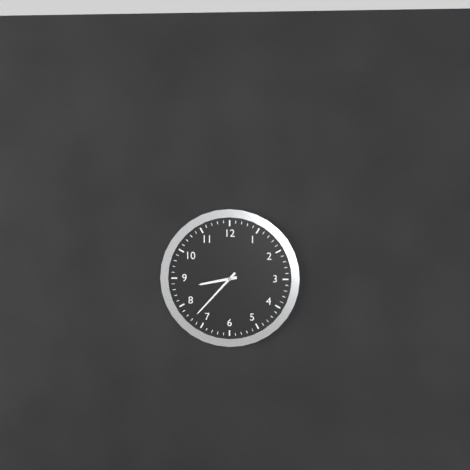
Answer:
8h37
